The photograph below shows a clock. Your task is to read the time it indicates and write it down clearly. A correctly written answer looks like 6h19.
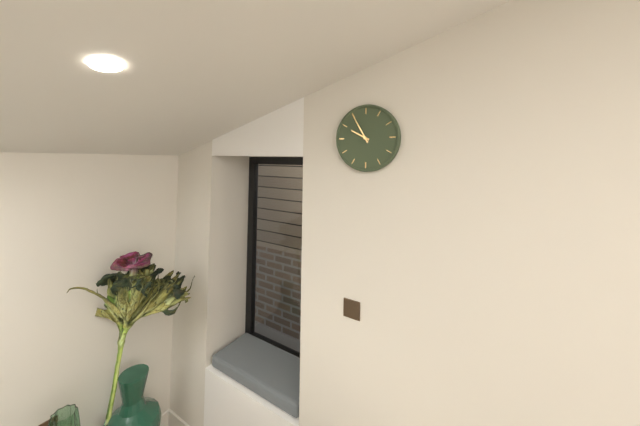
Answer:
9h55
